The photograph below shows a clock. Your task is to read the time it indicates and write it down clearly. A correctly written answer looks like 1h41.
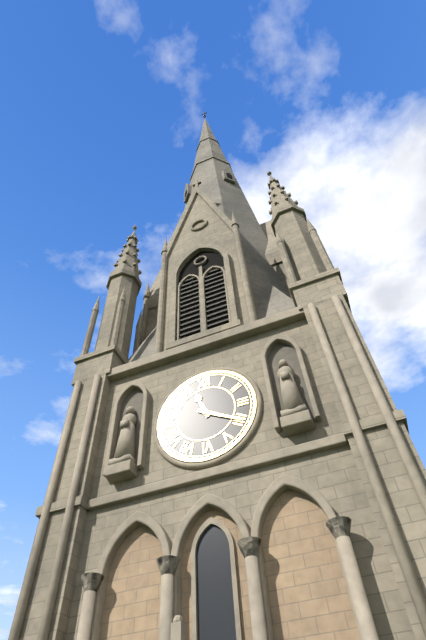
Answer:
11h20
